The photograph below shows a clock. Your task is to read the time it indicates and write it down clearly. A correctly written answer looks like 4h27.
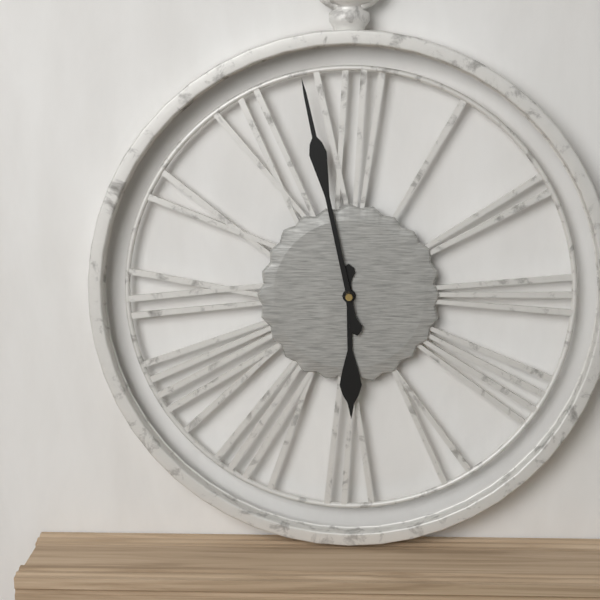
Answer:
5h58
